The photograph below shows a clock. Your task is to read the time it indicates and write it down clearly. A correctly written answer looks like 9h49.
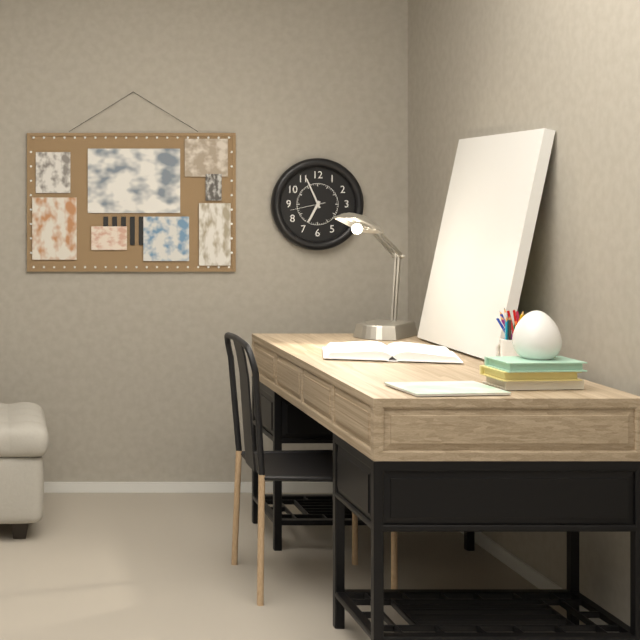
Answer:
6h56
